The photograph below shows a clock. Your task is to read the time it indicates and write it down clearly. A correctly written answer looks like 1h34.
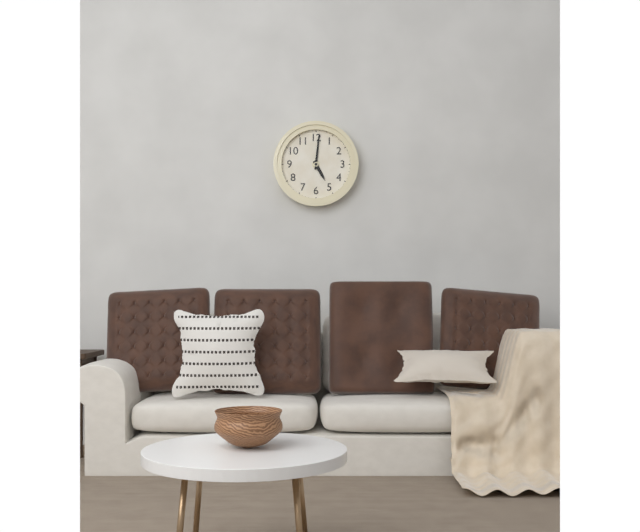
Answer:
5h01
